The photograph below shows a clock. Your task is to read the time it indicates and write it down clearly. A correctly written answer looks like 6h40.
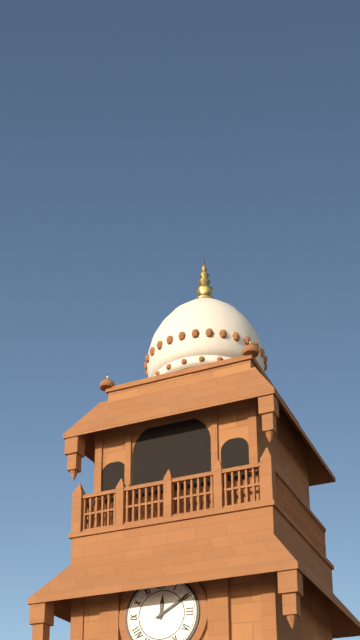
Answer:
12h10
